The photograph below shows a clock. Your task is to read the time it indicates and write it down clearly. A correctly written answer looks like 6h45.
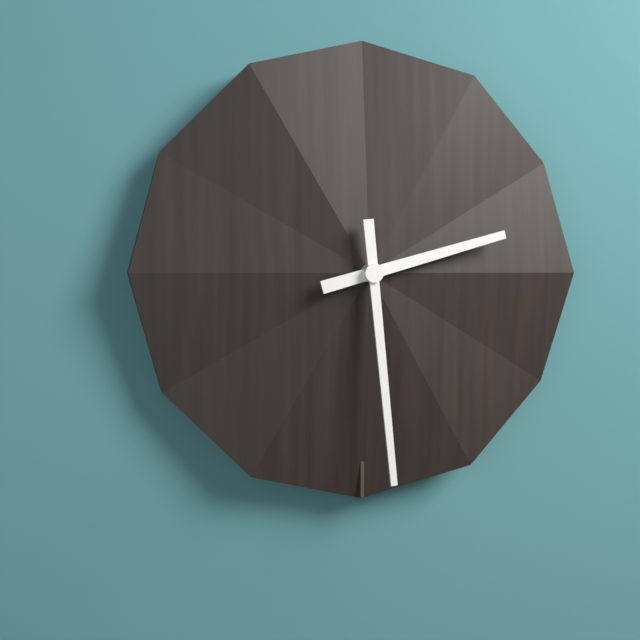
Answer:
2h29
